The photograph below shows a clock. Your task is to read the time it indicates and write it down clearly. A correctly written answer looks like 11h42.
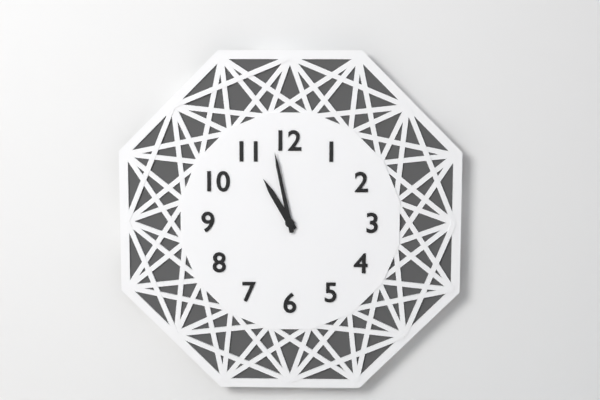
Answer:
10h58
